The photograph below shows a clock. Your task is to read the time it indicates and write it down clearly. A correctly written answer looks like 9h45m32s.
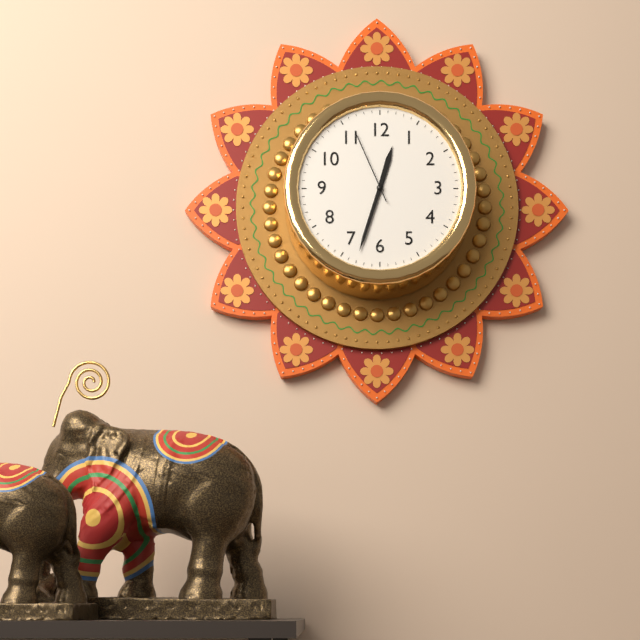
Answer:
12h33m56s
